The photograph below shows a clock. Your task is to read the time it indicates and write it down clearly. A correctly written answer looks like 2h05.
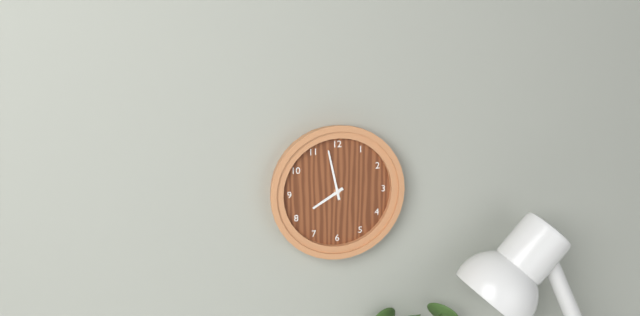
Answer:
7h58
